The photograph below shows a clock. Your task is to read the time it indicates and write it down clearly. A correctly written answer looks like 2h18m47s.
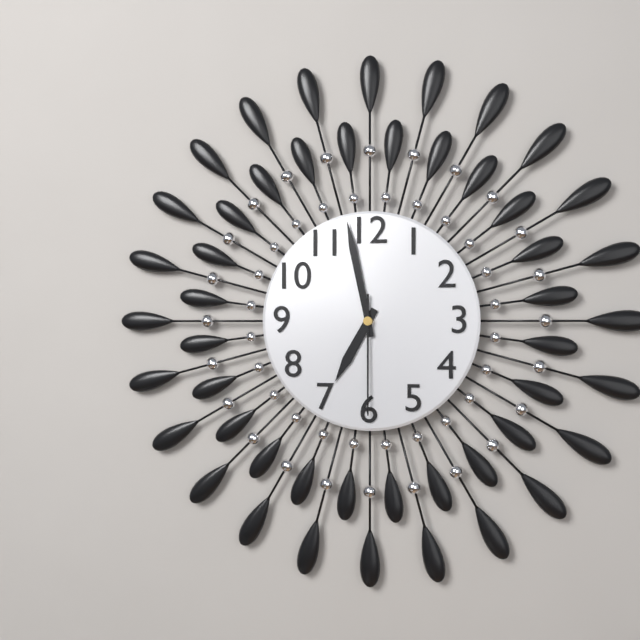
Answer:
6h58m30s
